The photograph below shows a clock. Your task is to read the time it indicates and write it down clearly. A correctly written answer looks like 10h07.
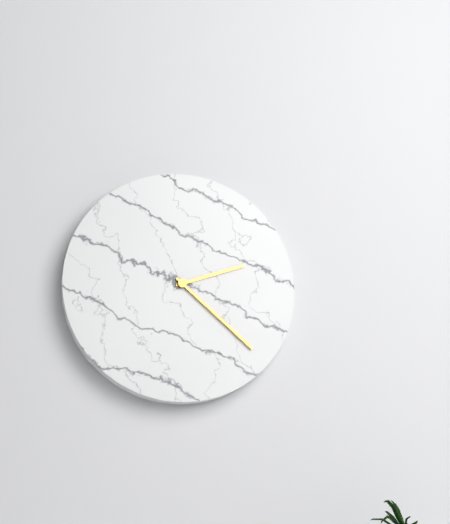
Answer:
2h22
